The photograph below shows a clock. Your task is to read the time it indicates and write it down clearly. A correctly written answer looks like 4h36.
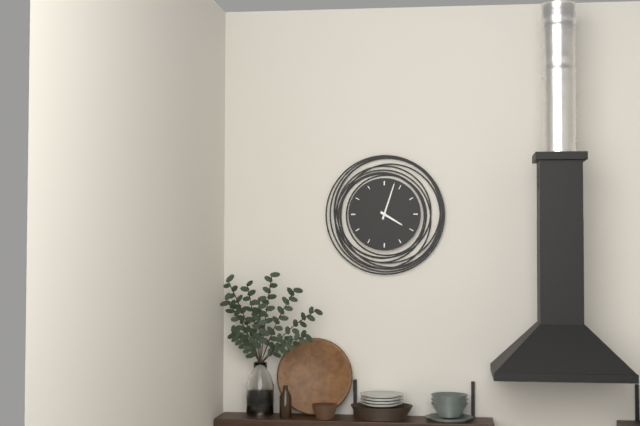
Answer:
4h03
